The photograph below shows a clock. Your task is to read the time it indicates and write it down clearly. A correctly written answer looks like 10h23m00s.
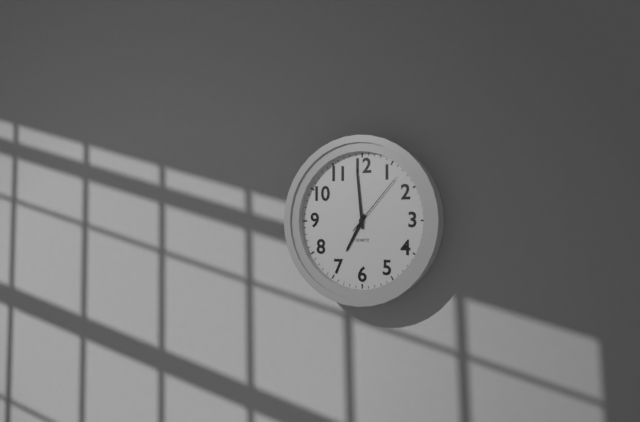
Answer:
6h59m07s
